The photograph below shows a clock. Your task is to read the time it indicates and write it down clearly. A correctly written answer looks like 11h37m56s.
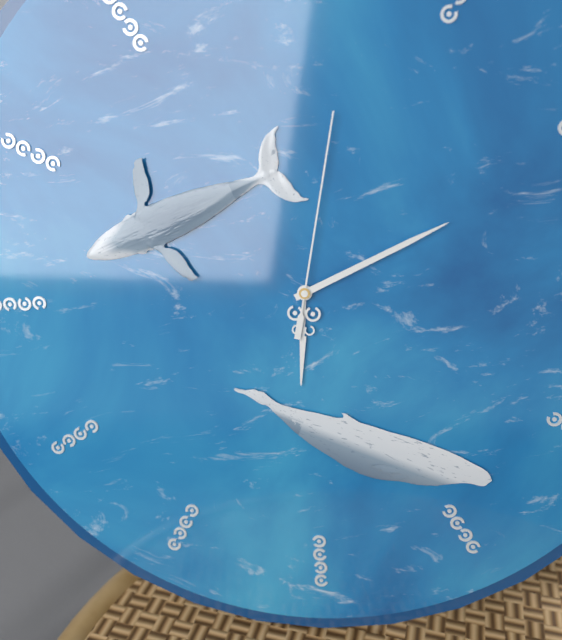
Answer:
6h11m02s
